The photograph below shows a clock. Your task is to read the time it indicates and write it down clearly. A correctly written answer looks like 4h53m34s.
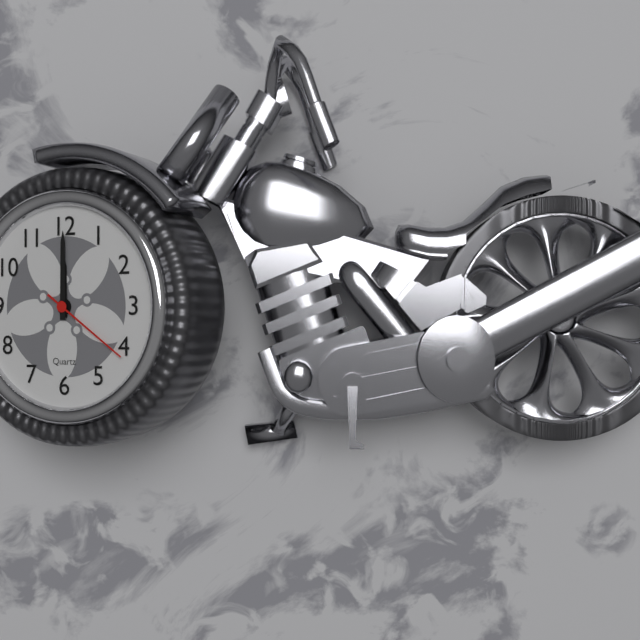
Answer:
12h00m21s
